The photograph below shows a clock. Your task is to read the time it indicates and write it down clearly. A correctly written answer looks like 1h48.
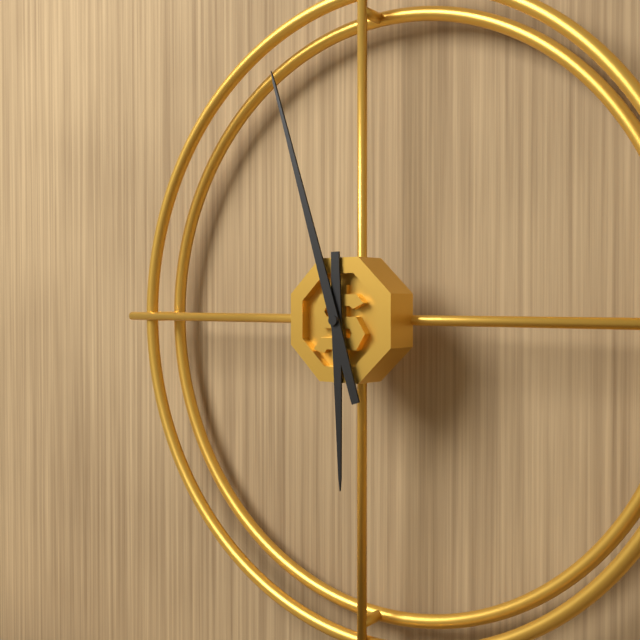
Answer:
5h57
